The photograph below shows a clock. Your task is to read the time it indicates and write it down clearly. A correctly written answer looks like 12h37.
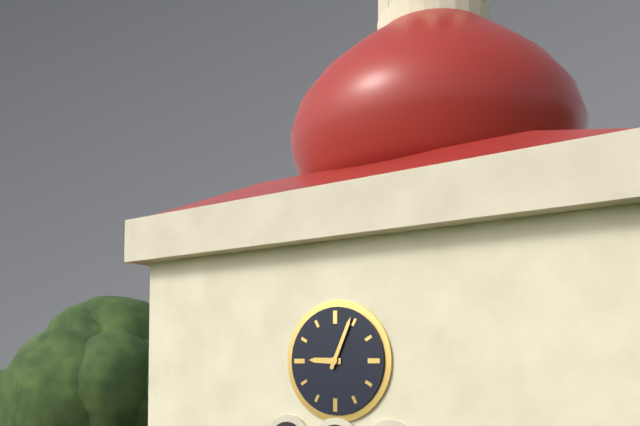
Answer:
9h04
